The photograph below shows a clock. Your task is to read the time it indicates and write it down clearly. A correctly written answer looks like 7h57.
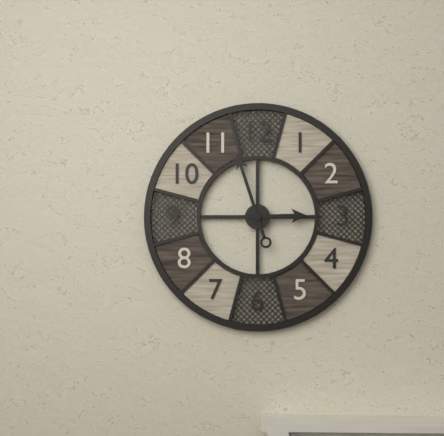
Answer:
2h57
